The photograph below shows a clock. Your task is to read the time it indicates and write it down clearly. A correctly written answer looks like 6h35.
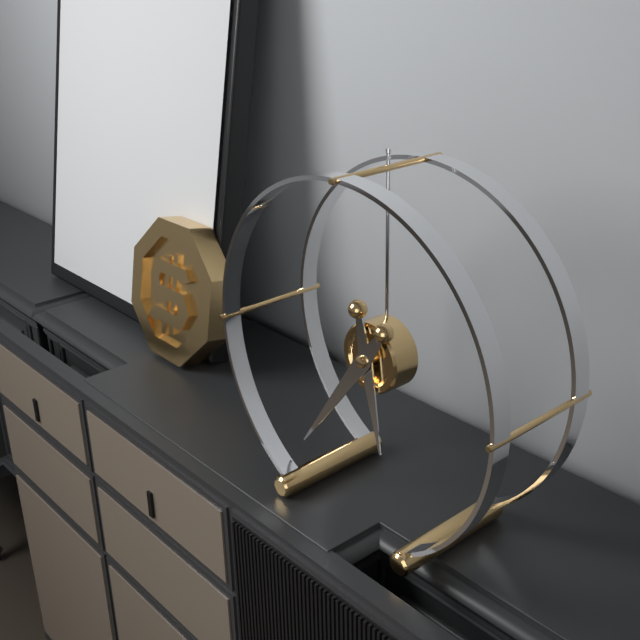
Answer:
5h36
